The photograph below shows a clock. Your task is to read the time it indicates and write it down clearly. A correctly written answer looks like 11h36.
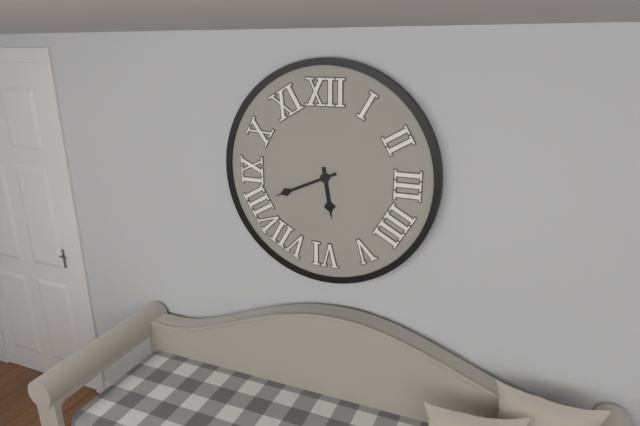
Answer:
5h41
